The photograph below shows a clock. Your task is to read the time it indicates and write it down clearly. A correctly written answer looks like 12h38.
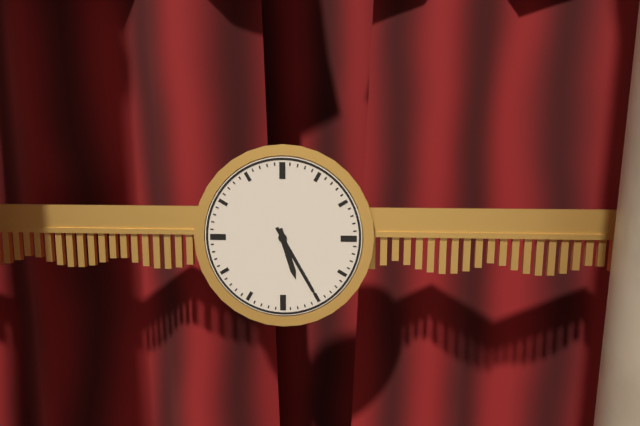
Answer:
5h25
